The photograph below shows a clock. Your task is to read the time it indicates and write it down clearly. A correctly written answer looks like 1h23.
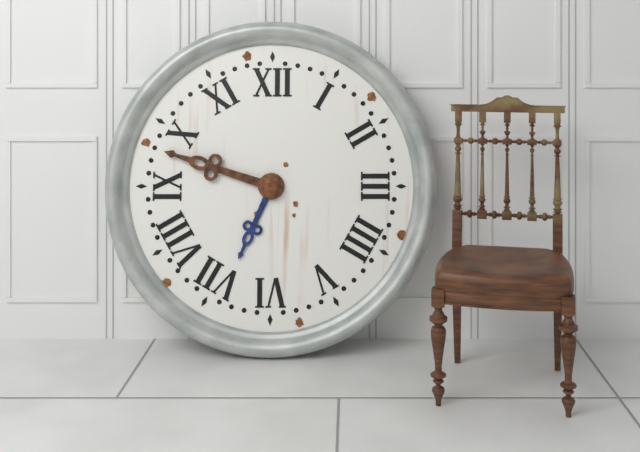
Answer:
6h48
